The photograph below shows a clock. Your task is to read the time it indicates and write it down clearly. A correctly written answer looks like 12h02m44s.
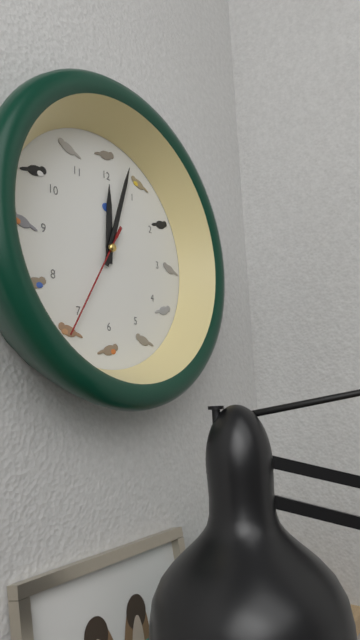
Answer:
12h03m35s
